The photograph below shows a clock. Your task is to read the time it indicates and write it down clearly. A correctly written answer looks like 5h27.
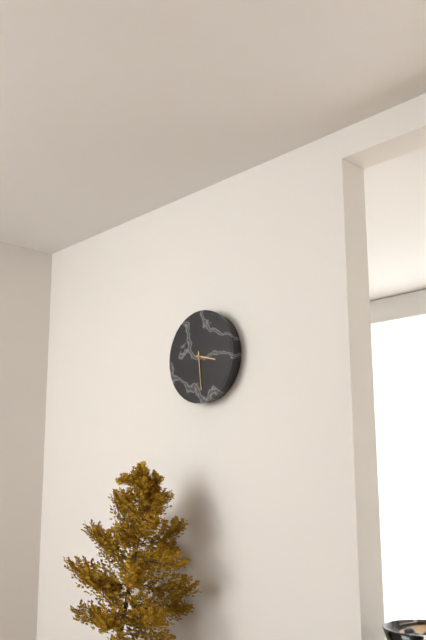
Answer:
3h29
